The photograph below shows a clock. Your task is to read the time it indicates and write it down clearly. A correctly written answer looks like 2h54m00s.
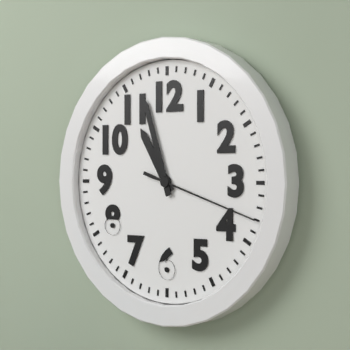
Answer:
10h57m18s
